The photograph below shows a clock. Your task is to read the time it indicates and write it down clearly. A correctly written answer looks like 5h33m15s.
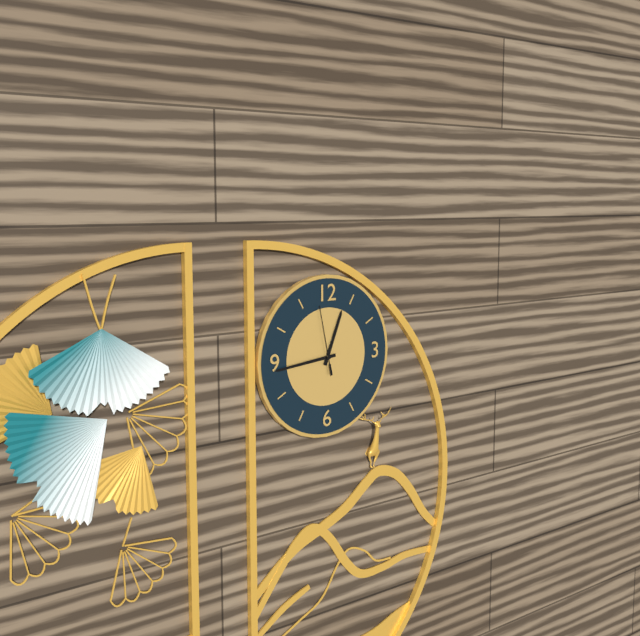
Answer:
12h44m58s
